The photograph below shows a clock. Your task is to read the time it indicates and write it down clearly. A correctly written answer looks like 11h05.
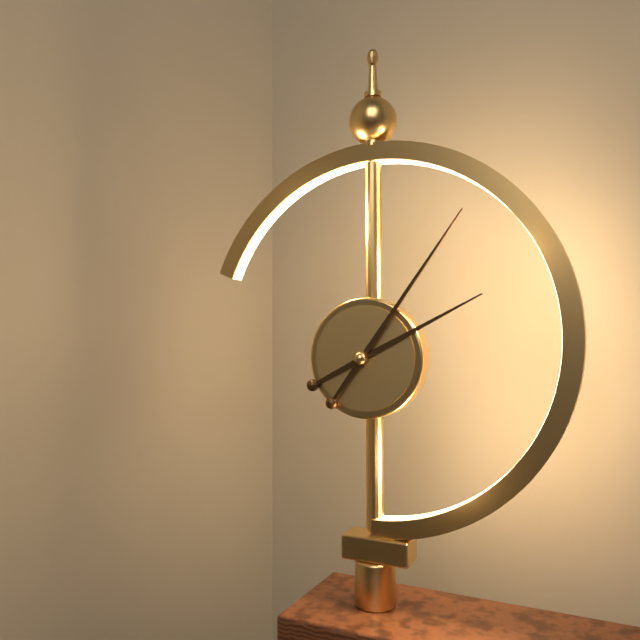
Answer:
2h06
